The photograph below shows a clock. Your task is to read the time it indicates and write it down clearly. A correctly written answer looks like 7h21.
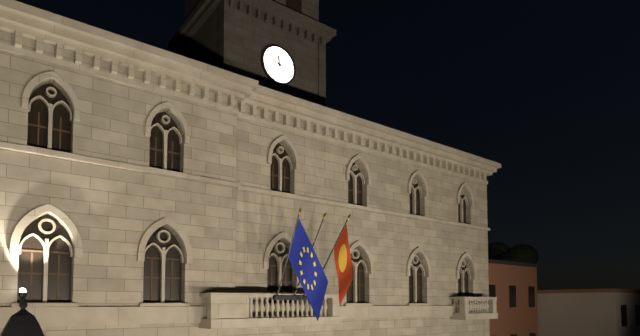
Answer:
11h48
